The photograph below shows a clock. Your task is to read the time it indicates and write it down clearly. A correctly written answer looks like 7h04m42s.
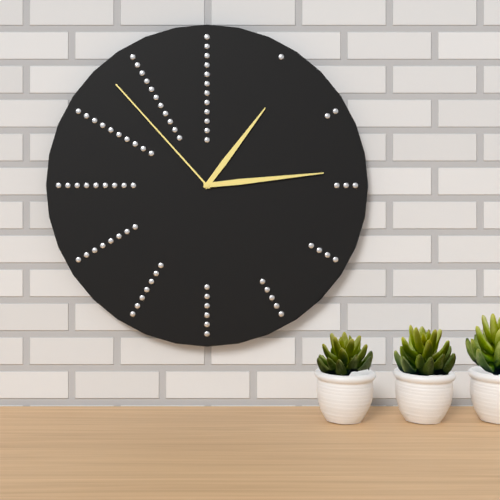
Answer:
1h14m53s
